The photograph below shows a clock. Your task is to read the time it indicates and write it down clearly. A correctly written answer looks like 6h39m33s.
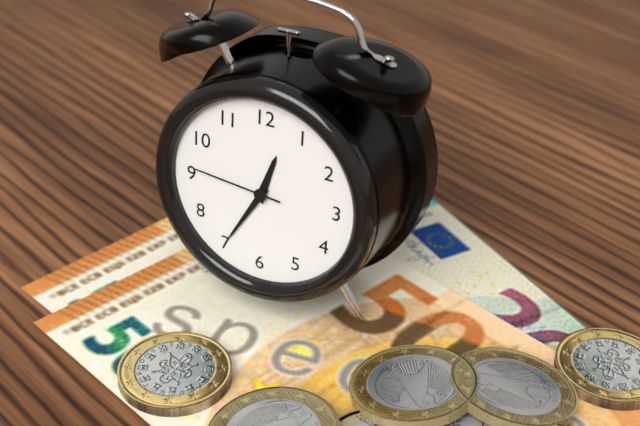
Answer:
12h35m46s
